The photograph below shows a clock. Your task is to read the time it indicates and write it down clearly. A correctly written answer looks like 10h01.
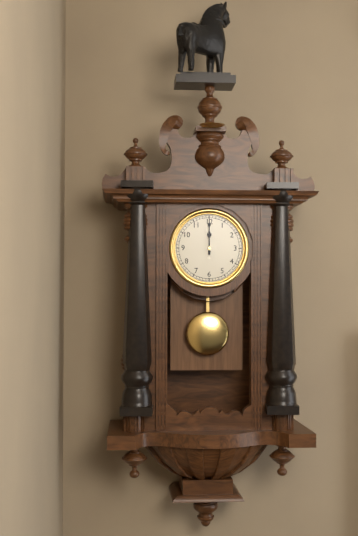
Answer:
12h00
